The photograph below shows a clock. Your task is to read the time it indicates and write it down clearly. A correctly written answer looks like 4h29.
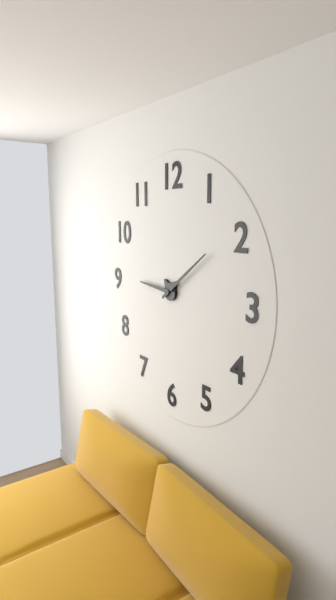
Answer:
9h09
